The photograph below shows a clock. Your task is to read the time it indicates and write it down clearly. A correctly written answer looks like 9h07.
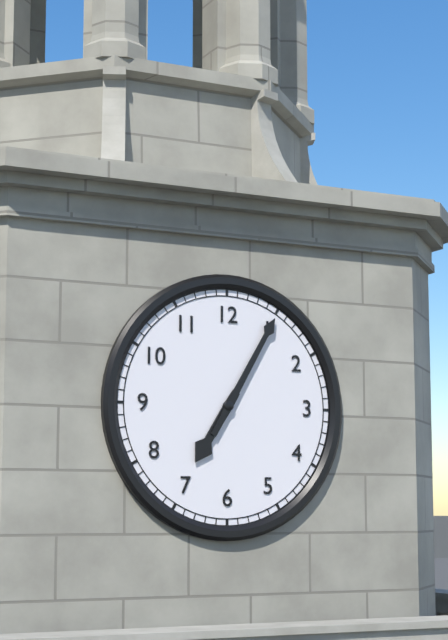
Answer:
7h05
